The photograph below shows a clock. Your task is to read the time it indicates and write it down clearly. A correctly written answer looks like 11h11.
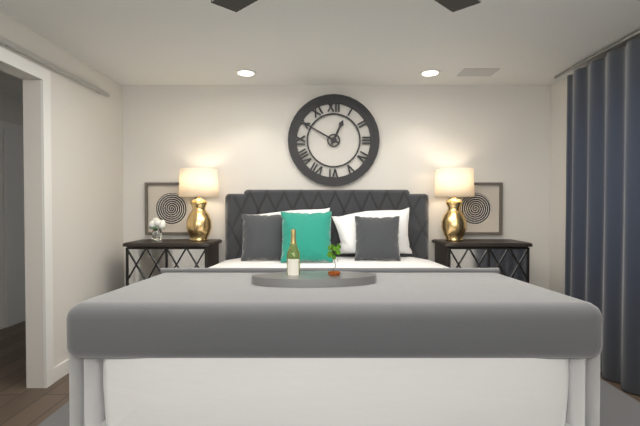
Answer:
12h50
